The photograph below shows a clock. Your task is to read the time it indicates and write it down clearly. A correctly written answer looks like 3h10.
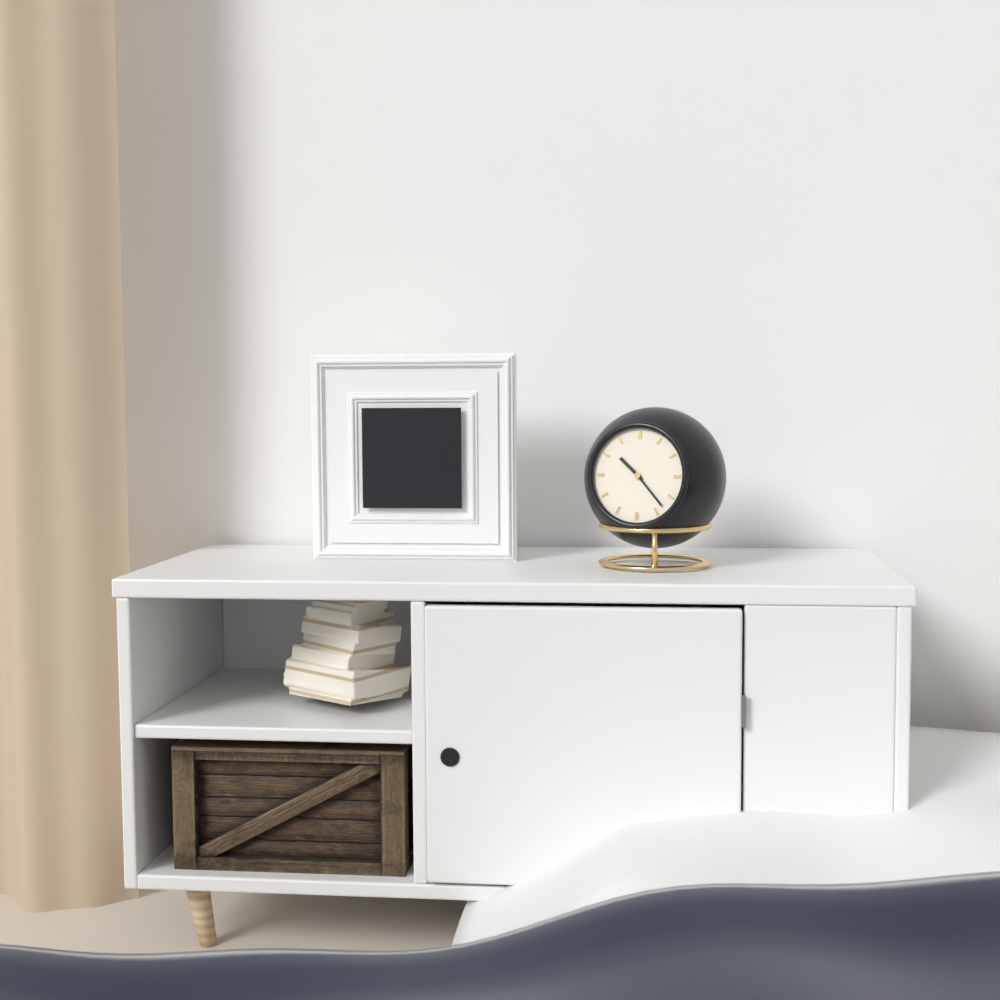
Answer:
10h23
